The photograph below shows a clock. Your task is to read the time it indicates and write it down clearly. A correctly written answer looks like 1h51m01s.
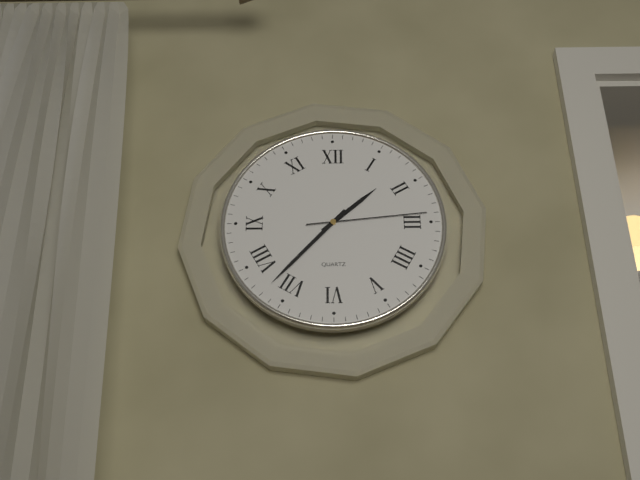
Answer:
1h37m14s
